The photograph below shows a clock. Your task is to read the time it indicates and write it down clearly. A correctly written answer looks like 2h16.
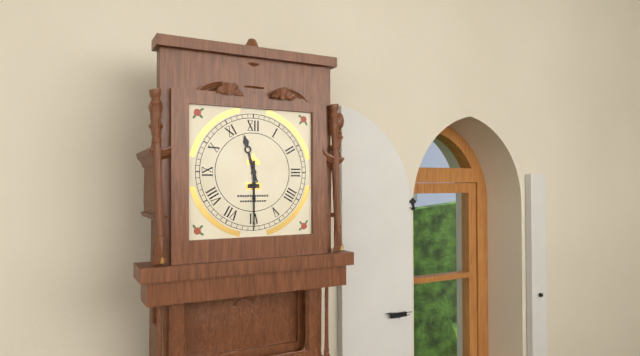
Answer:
11h30
